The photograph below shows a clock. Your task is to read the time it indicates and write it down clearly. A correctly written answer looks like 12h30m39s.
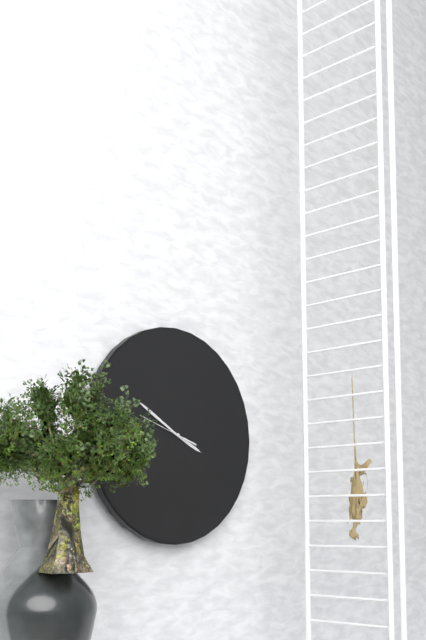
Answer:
3h50m48s
